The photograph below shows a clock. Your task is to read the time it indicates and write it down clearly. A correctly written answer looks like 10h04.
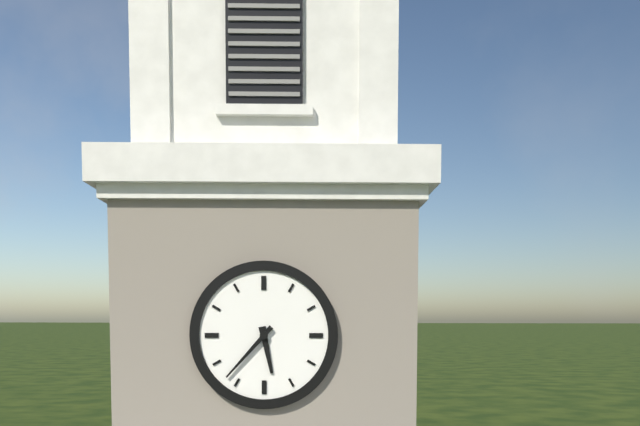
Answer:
5h37
